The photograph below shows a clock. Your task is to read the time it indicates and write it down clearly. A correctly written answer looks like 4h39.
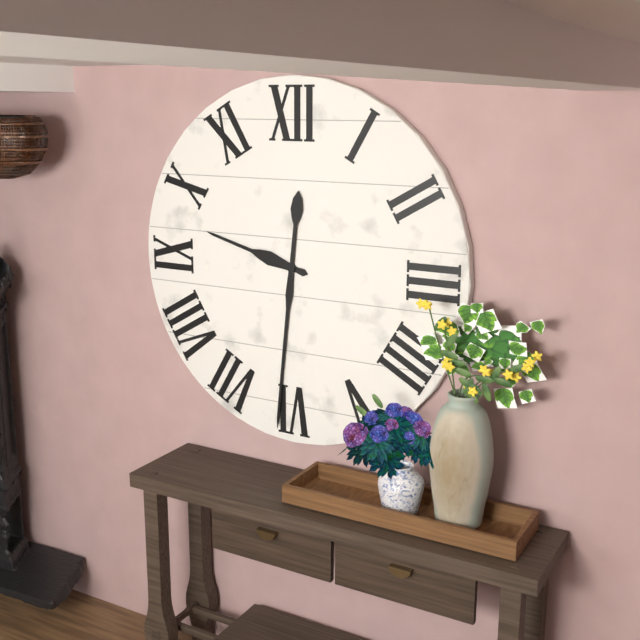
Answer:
9h31
